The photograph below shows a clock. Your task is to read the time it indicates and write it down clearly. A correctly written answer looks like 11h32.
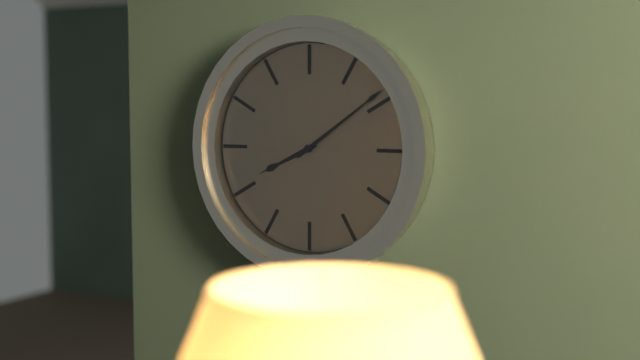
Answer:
8h09
